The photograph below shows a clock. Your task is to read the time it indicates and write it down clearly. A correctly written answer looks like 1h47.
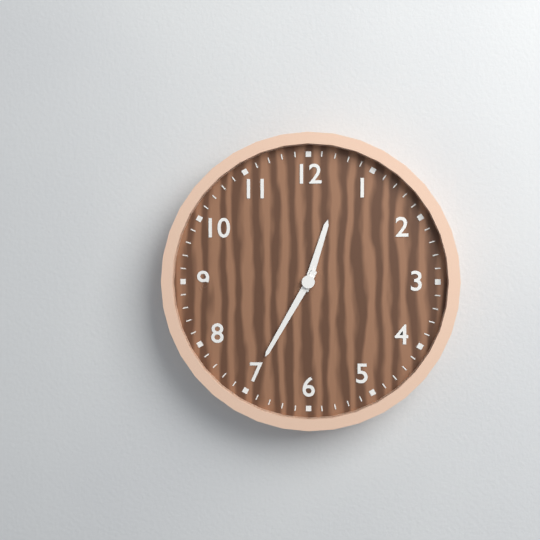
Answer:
12h35
